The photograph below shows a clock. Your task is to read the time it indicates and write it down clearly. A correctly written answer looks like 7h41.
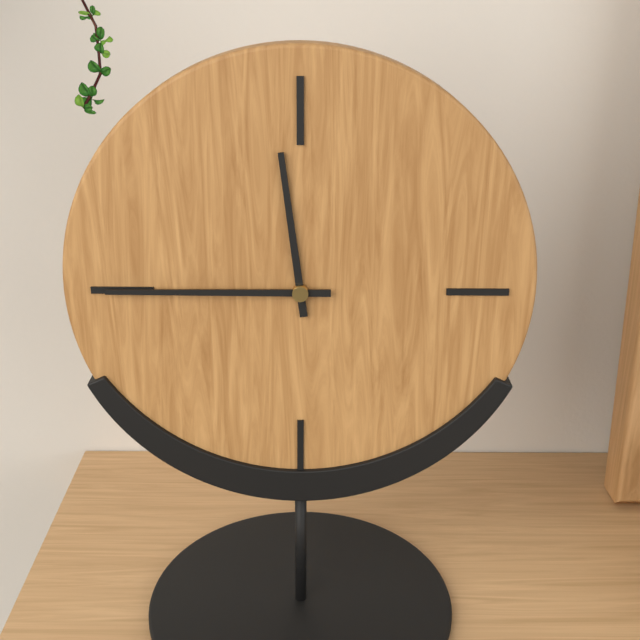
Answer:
11h45
